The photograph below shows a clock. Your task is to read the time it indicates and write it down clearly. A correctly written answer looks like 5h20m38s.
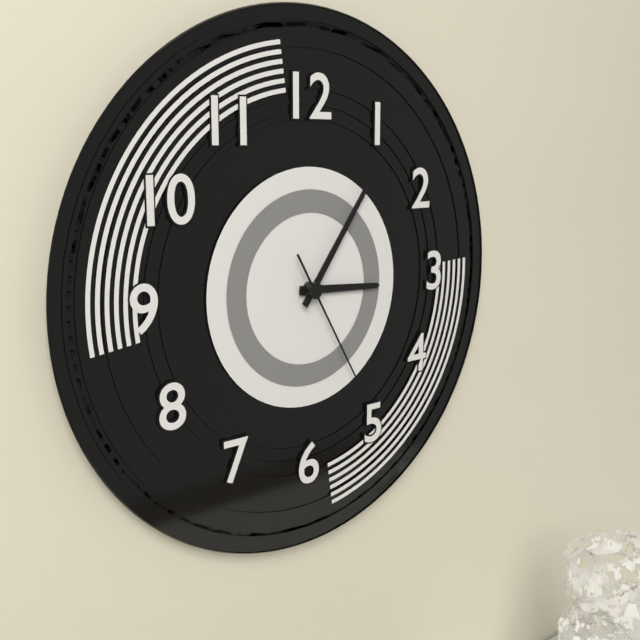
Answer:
3h06m25s
